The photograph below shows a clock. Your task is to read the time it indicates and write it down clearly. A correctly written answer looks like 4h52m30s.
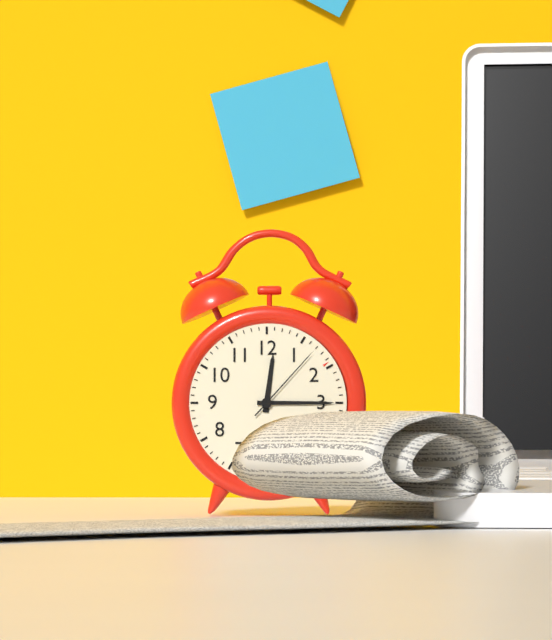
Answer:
12h15m07s
